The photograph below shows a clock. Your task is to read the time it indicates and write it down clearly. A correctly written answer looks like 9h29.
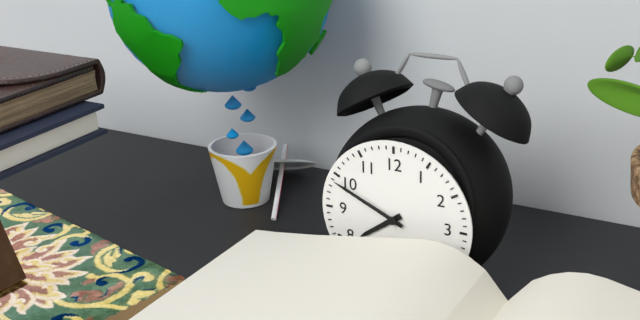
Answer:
7h49
